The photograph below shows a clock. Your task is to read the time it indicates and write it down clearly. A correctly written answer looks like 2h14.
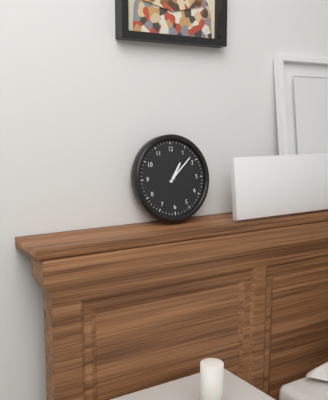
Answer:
1h08
